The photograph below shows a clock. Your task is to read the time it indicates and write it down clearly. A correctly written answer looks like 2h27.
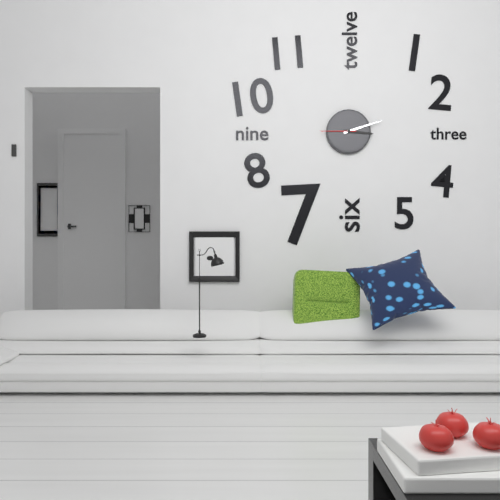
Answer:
3h12
